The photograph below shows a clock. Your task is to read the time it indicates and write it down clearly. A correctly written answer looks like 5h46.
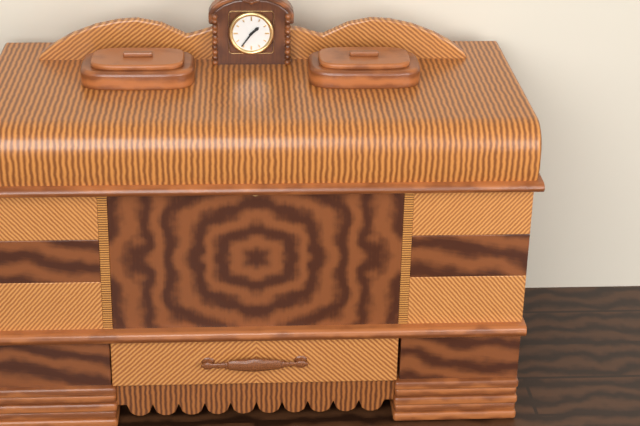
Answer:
1h36
